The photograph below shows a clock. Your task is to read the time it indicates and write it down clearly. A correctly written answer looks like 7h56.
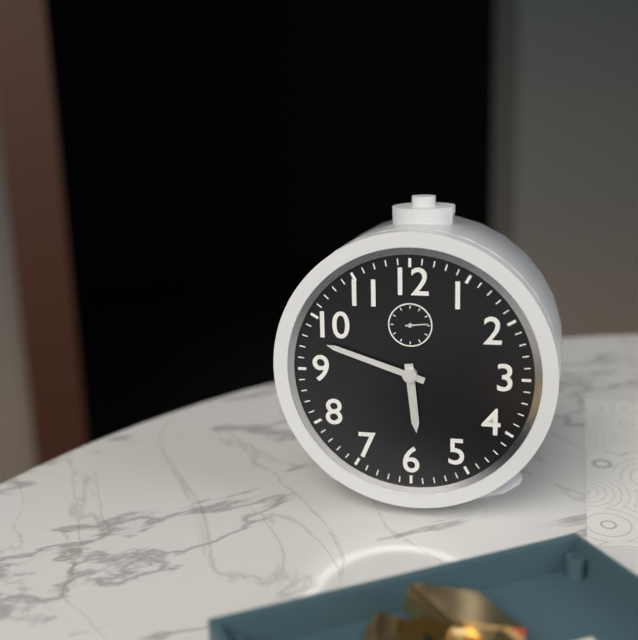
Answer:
5h48
